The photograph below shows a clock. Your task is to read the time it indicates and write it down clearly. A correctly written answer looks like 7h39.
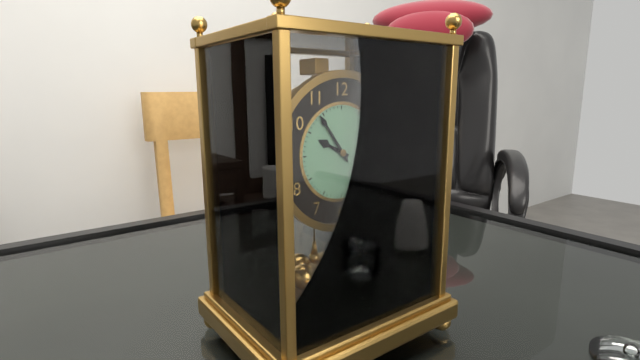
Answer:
9h54
